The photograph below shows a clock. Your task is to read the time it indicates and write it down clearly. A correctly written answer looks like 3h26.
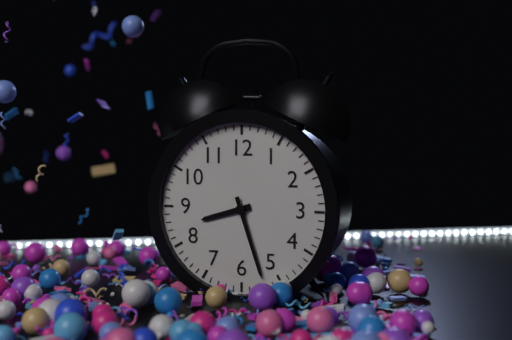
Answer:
8h27
